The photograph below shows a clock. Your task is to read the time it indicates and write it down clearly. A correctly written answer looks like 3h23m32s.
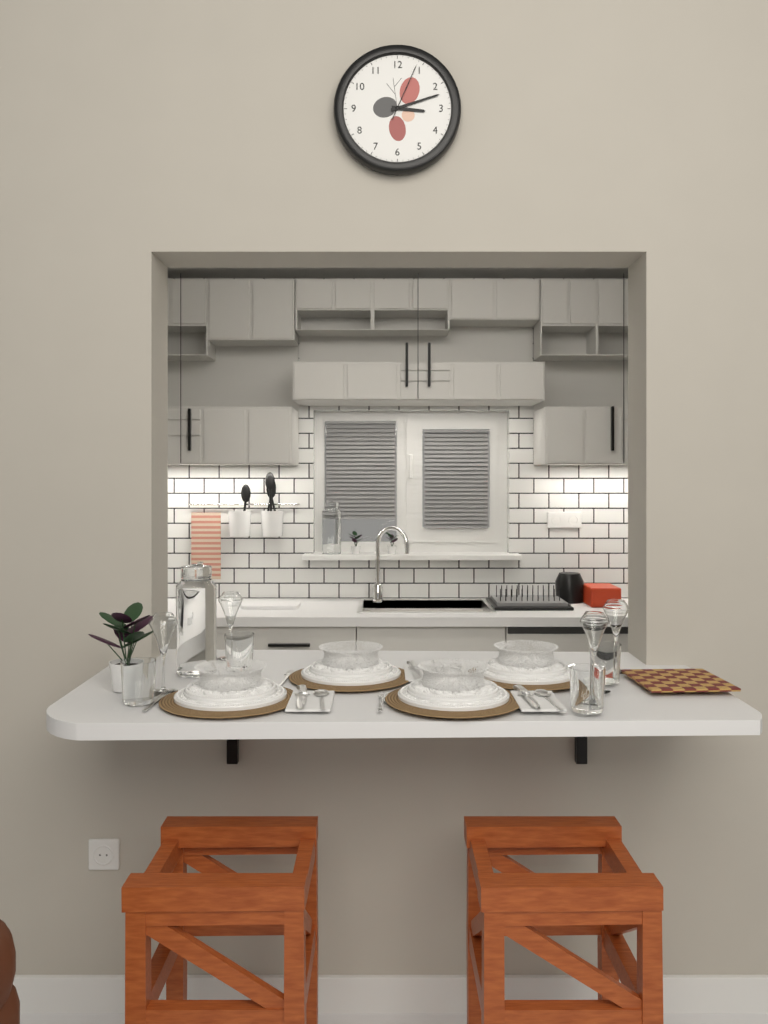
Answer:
3h12m04s
